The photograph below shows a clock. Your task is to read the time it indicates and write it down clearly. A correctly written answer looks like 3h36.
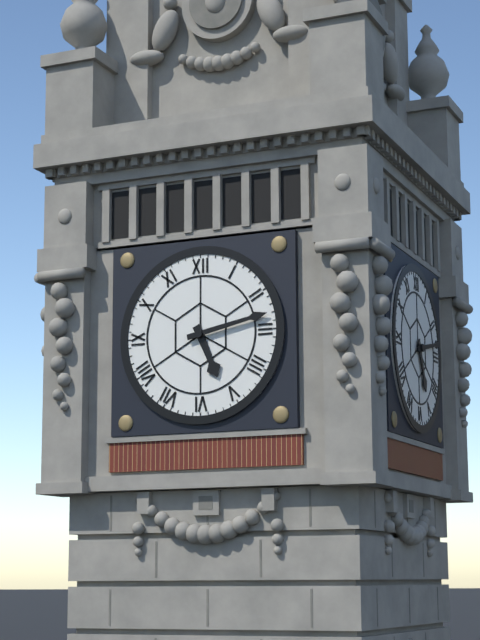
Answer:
5h13
